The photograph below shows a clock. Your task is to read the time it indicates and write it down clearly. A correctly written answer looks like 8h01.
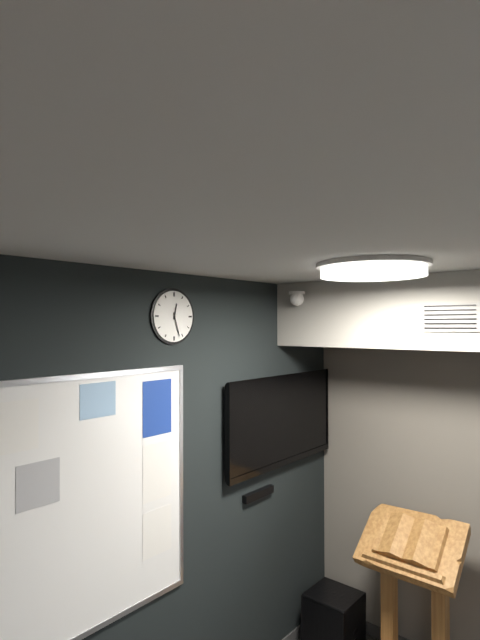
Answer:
12h27
